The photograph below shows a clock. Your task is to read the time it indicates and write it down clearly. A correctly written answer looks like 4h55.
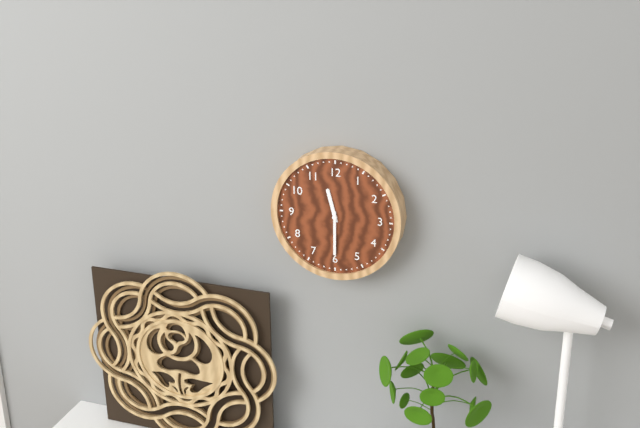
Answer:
11h30
